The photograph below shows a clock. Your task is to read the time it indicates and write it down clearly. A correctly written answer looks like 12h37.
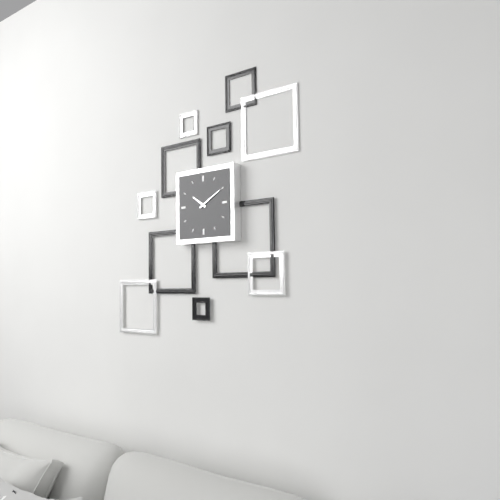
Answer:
10h10
